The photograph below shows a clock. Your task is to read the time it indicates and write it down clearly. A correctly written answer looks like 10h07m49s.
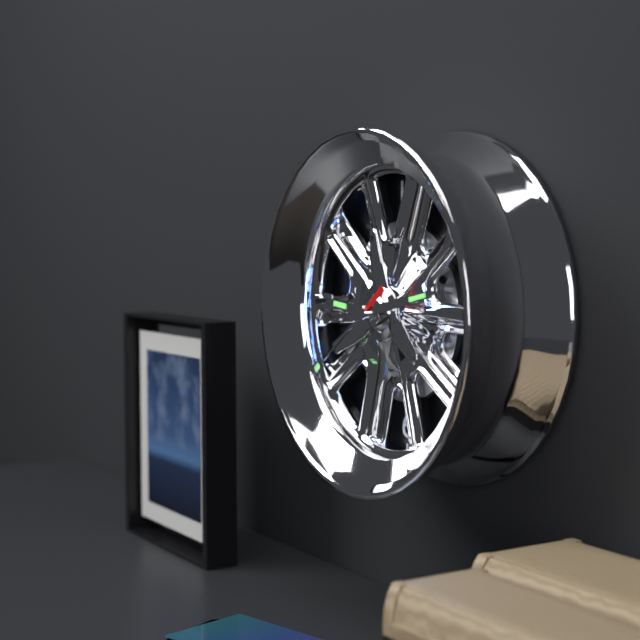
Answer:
9h13m39s
